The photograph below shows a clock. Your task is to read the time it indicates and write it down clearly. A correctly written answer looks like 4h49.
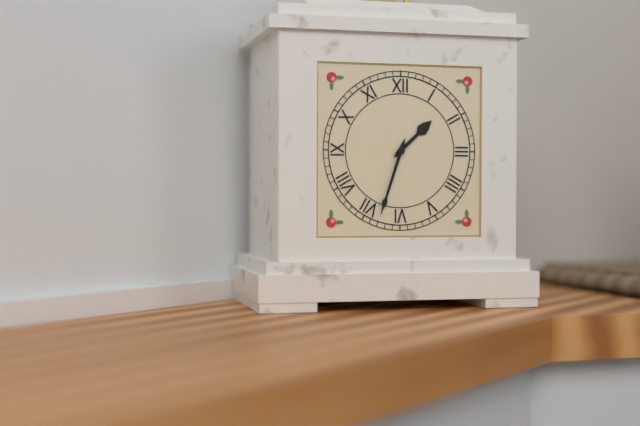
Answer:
1h33
